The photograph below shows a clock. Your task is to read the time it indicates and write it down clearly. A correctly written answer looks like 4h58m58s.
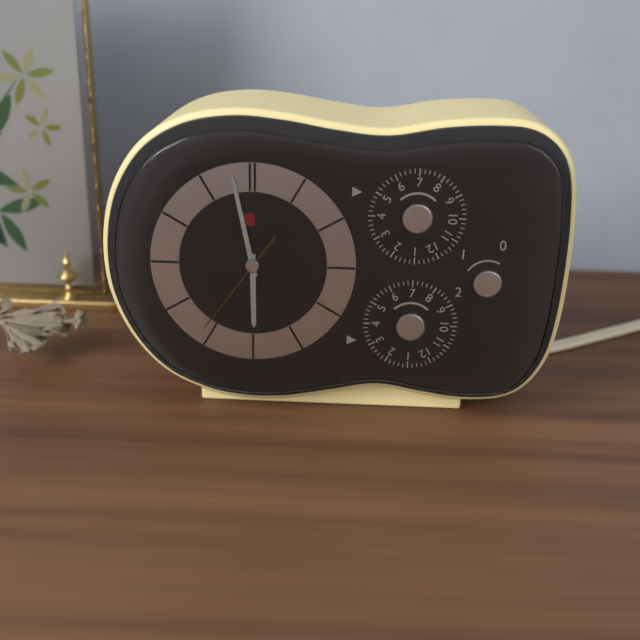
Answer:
5h58m36s
